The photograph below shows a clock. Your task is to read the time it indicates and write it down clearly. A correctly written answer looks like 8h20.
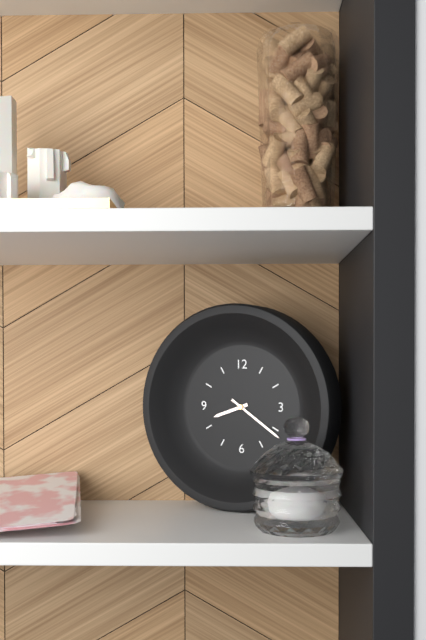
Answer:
8h21
